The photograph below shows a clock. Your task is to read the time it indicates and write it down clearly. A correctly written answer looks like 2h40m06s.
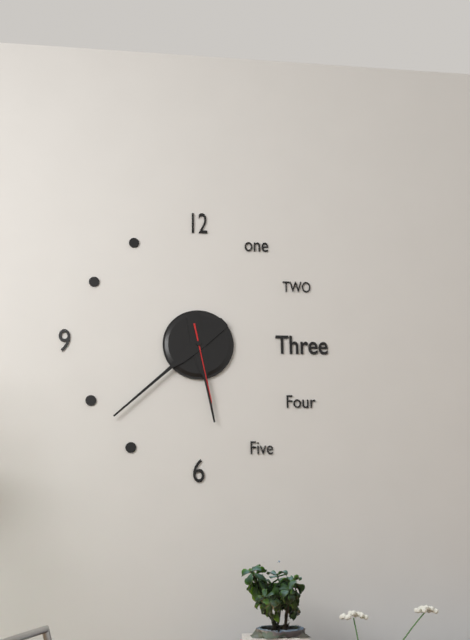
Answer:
5h38m28s
